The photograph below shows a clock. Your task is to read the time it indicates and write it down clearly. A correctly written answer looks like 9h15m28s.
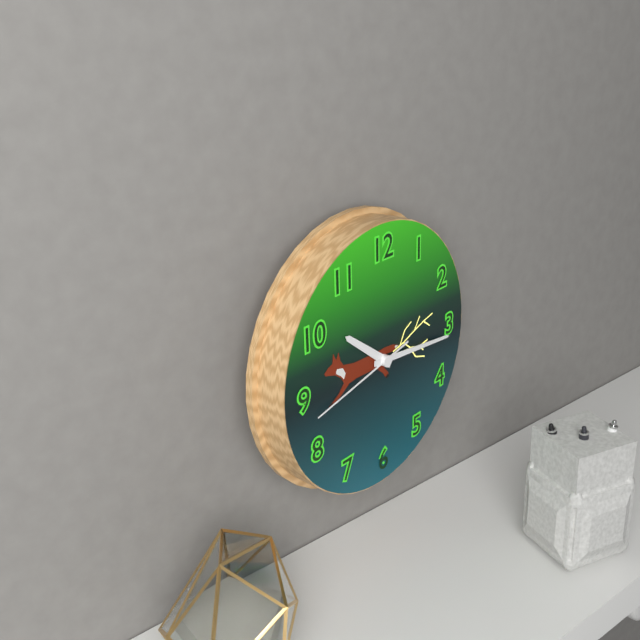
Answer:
10h16m43s
